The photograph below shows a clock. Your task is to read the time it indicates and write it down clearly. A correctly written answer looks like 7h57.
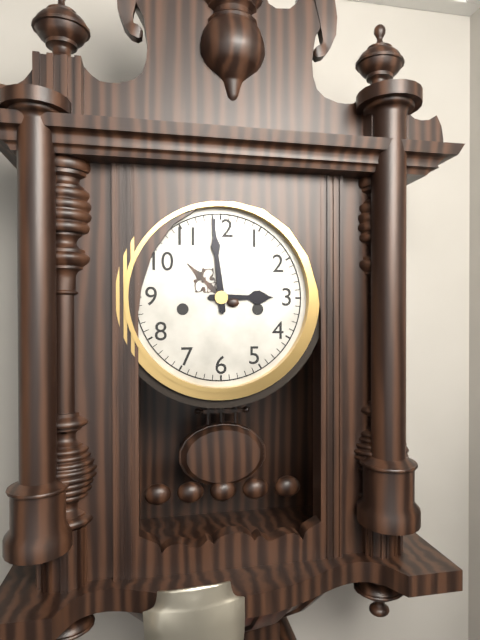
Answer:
2h59
